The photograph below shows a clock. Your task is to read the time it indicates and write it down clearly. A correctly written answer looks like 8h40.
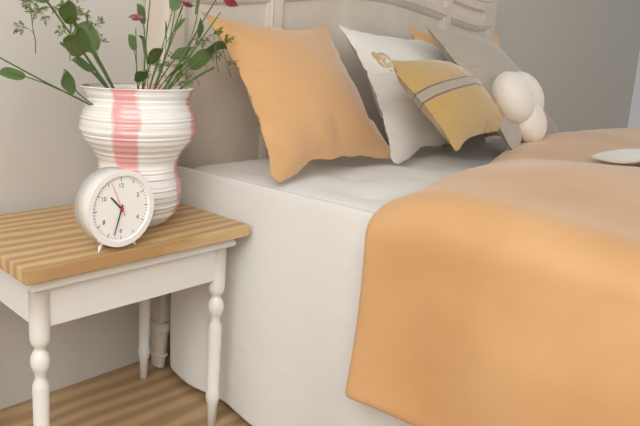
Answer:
10h33
